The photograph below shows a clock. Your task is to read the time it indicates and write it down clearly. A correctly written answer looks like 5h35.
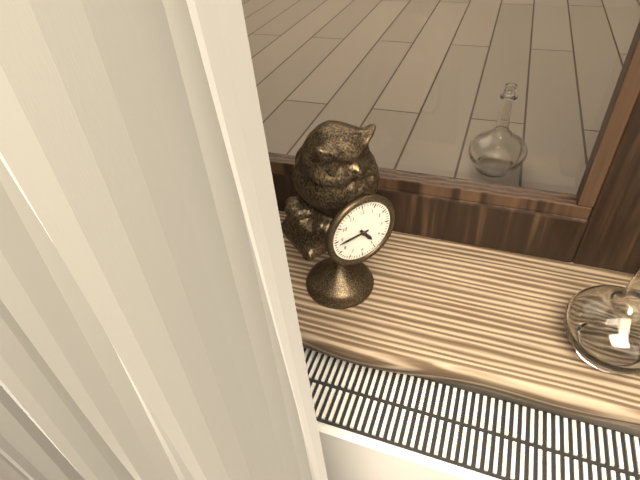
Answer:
4h44
